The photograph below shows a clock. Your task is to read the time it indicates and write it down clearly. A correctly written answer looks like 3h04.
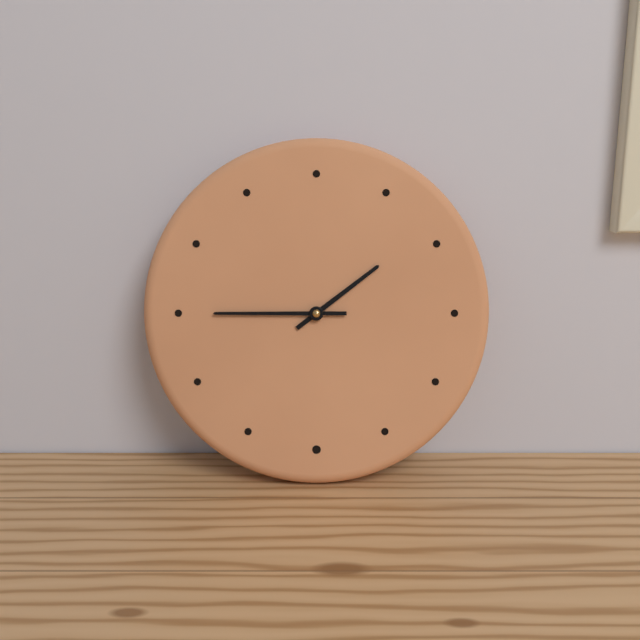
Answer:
1h45
